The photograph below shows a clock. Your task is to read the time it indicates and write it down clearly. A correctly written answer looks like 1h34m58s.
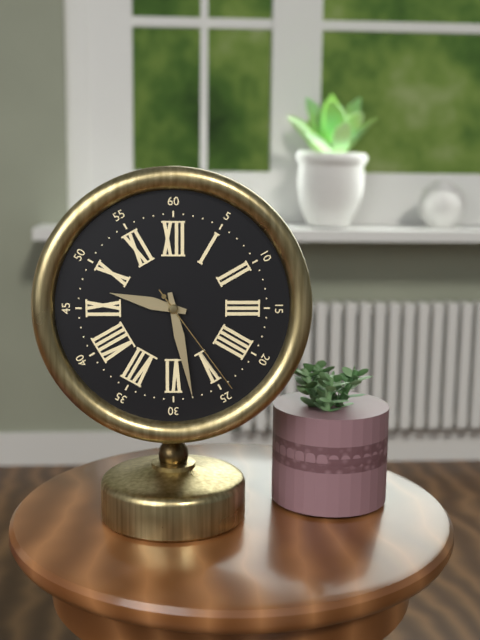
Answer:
9h28m24s
